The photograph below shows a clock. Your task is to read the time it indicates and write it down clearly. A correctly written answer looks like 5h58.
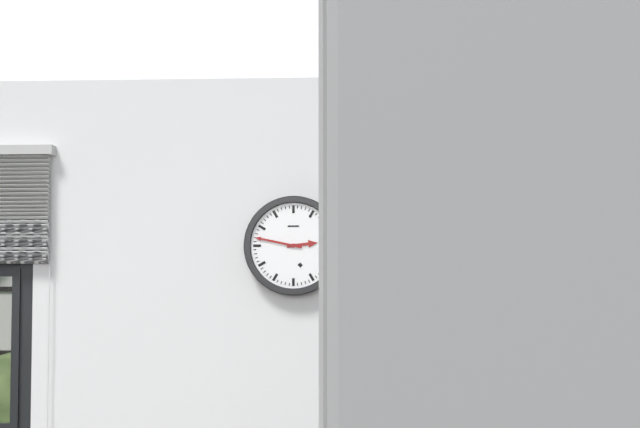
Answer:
2h47
